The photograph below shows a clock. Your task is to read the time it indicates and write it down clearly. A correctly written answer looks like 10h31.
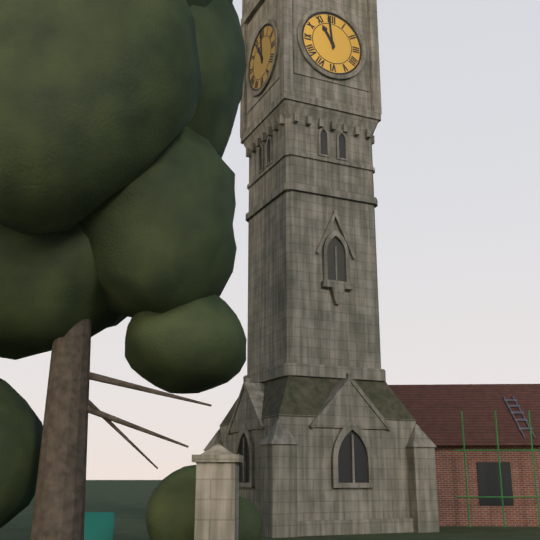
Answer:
10h59
